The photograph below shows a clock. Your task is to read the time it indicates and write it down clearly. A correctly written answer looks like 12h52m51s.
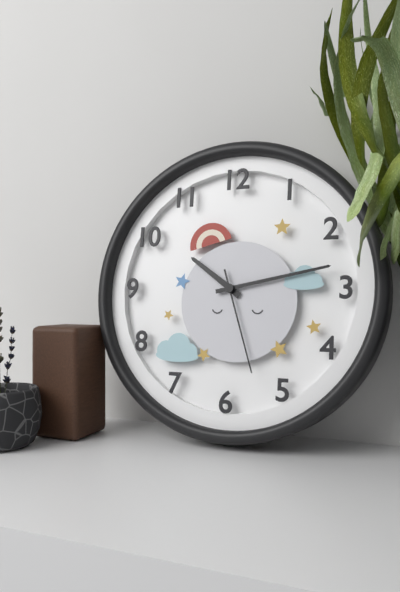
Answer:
10h13m27s
